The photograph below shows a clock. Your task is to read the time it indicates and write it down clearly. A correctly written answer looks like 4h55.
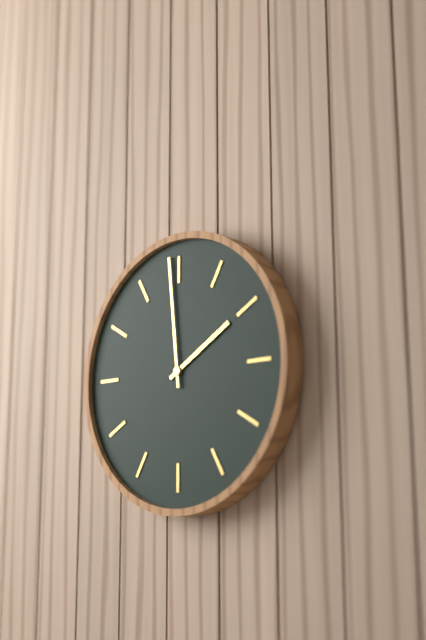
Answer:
1h59
